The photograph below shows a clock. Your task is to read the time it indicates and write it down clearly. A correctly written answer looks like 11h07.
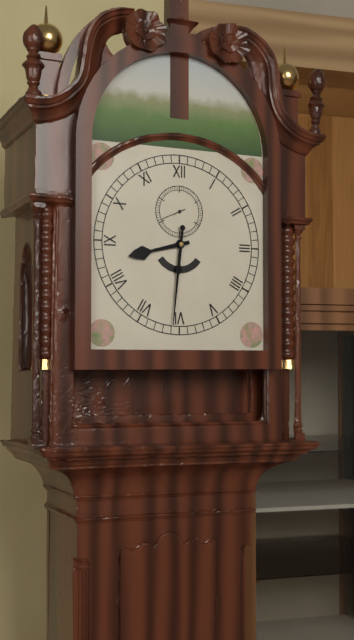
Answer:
8h31
